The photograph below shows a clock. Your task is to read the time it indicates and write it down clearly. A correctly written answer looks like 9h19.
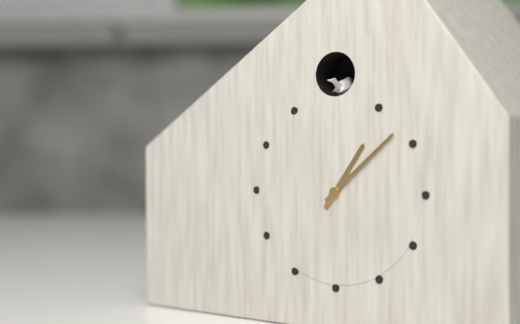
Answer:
1h08
